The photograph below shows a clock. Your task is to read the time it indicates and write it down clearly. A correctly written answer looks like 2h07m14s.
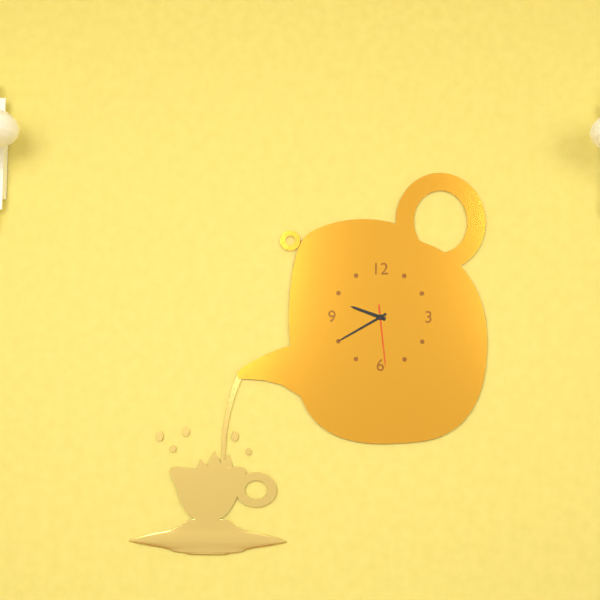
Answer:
9h40m29s
